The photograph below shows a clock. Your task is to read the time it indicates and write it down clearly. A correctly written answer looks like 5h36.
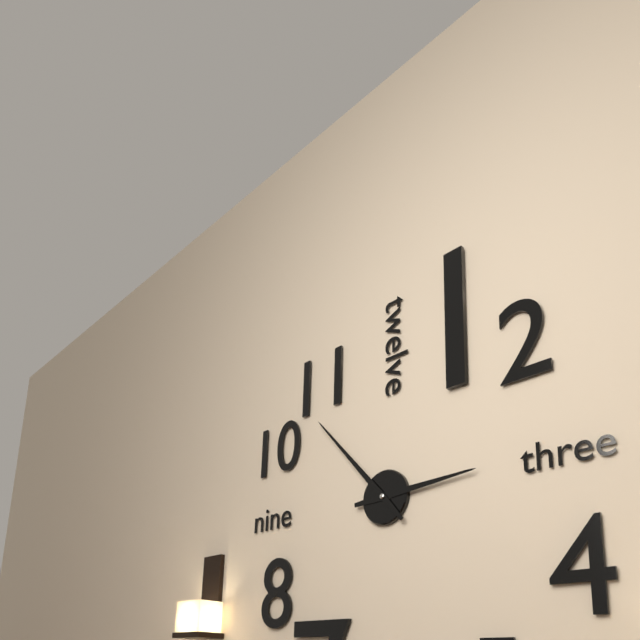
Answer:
2h53
